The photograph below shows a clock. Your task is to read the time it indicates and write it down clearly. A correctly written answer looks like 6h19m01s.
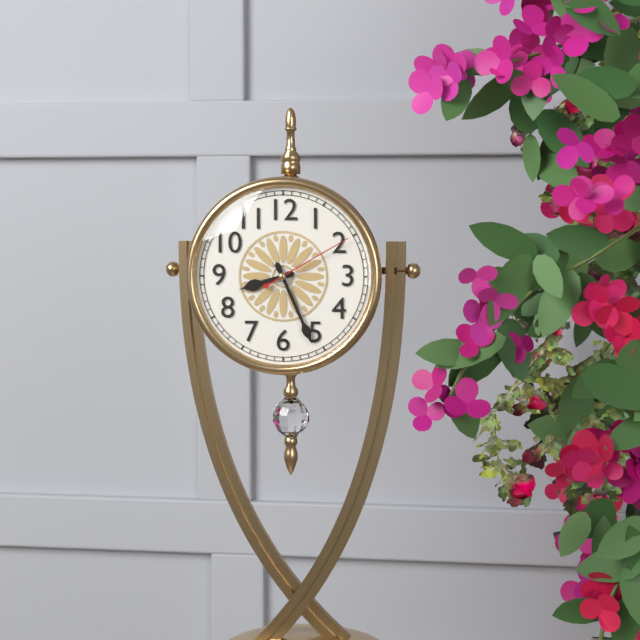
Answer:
8h26m10s
